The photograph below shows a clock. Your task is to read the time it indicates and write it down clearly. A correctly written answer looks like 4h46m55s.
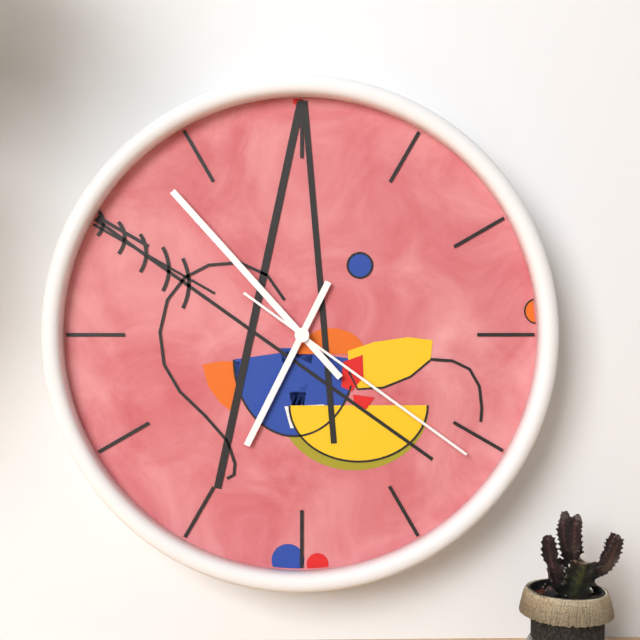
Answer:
6h53m21s
